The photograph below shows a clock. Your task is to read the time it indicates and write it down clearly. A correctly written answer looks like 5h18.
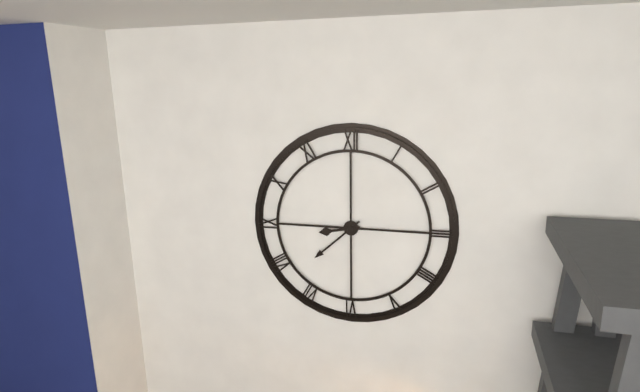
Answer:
8h38
